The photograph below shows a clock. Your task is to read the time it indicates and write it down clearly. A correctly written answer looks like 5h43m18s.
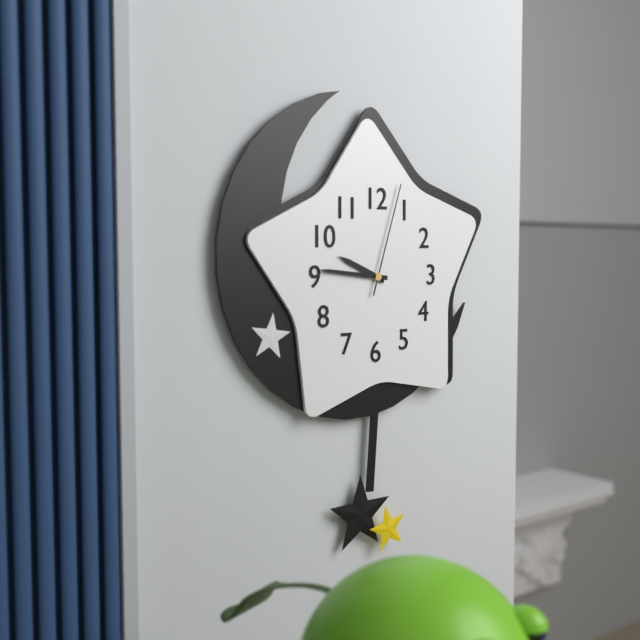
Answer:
9h46m03s
